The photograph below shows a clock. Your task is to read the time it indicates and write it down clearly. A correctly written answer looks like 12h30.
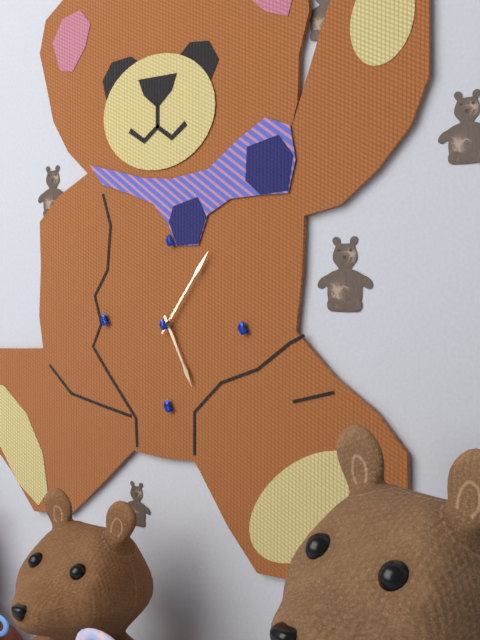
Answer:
5h06
